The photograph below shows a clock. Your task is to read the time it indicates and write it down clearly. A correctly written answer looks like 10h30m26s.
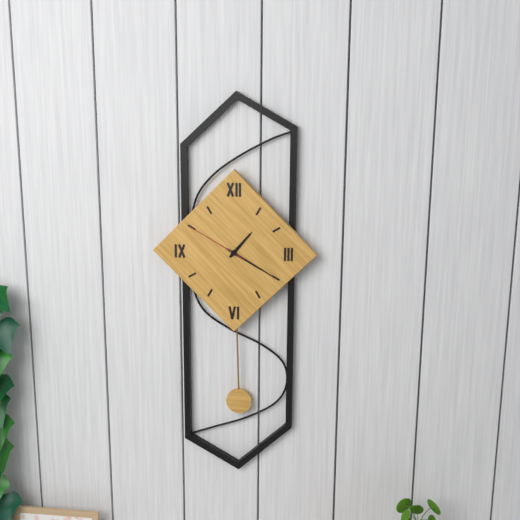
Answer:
1h20m50s
